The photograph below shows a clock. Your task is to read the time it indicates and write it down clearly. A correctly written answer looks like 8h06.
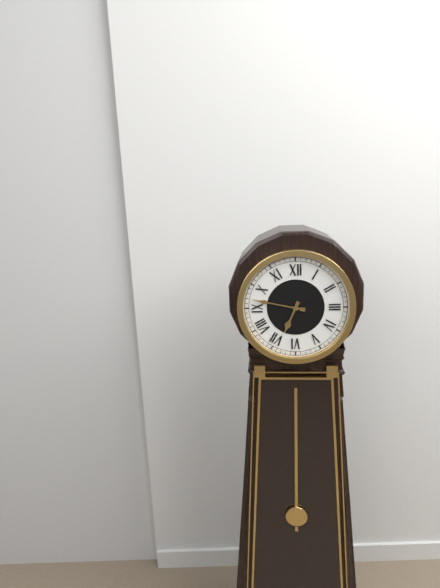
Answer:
6h47
